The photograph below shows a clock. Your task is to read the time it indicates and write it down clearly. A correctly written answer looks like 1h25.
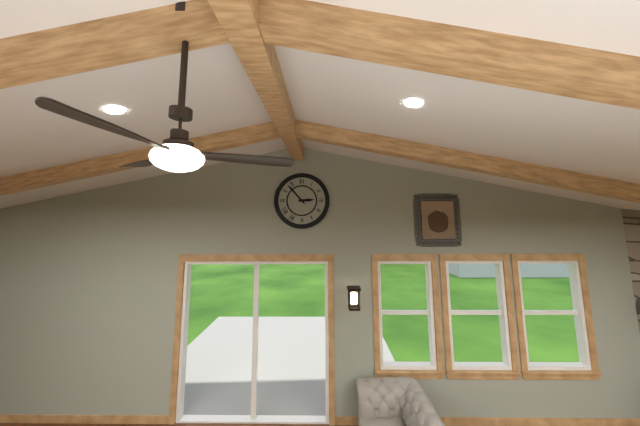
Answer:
2h53
